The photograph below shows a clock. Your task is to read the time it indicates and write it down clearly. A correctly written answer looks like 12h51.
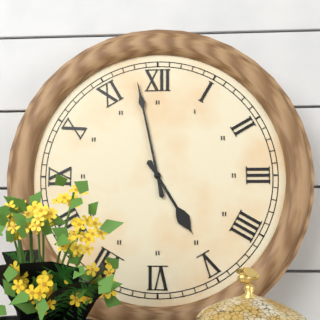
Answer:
4h58
